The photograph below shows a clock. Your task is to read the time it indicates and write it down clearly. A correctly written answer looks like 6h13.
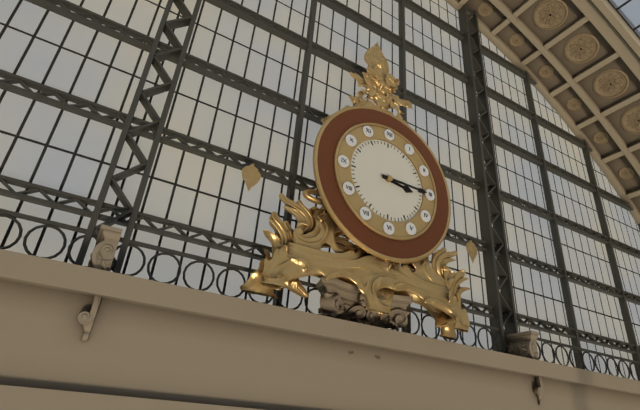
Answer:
3h15
